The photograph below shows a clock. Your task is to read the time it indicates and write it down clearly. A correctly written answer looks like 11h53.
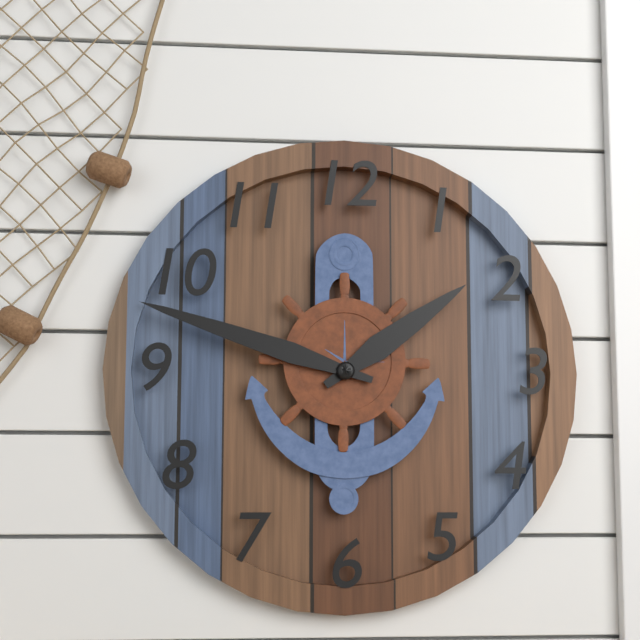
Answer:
1h48
